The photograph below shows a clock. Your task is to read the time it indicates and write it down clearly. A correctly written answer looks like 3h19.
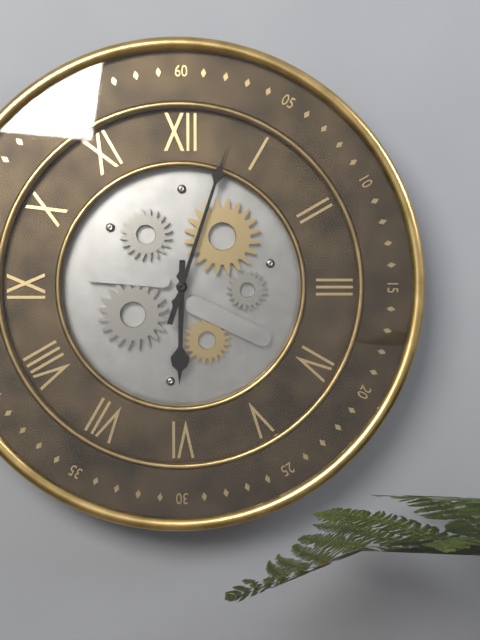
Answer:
6h03
